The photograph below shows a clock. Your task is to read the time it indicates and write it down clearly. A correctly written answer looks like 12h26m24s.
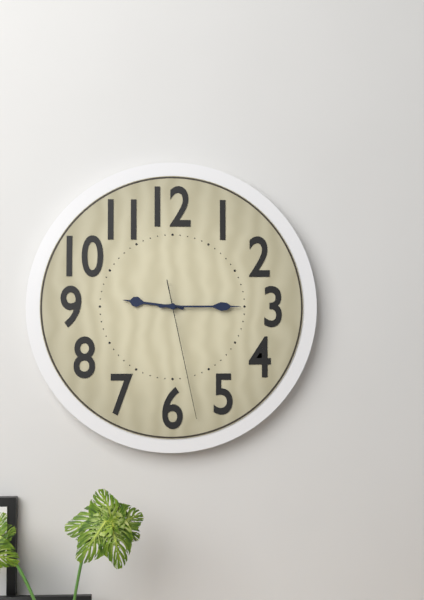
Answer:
9h15m28s
